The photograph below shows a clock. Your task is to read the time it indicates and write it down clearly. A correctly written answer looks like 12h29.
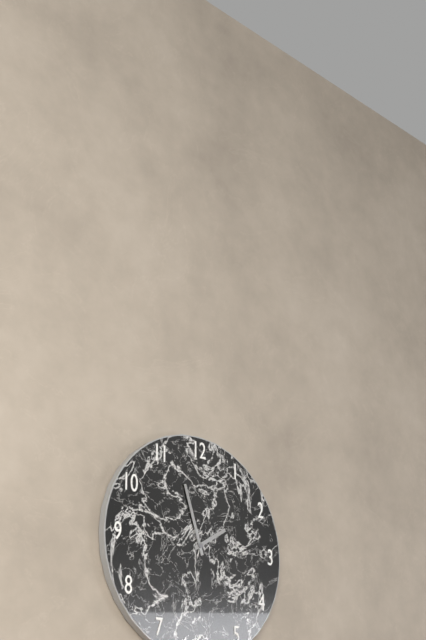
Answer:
1h57
